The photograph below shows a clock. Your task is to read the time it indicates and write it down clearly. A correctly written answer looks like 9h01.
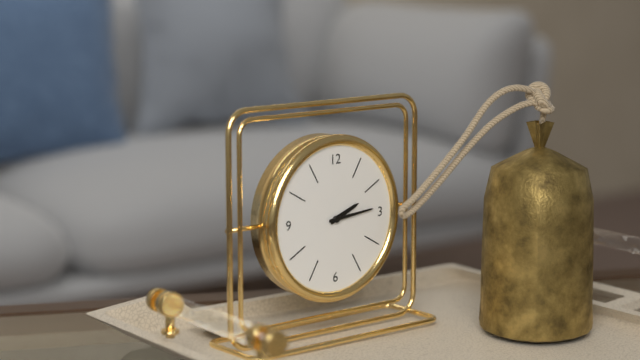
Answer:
2h14
